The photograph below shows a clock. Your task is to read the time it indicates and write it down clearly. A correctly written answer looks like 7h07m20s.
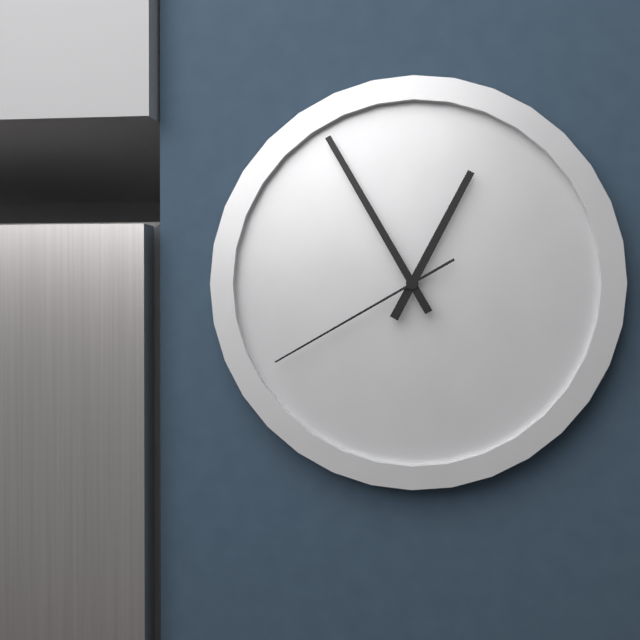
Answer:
12h55m40s
